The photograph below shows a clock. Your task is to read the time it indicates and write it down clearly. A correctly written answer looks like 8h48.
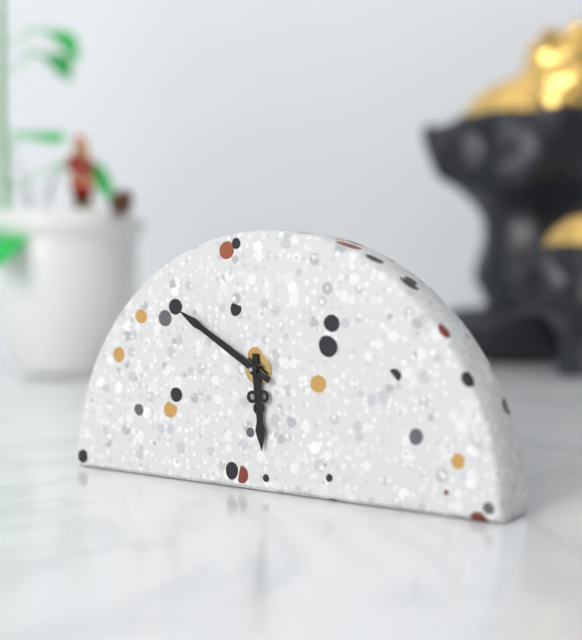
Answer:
5h50
